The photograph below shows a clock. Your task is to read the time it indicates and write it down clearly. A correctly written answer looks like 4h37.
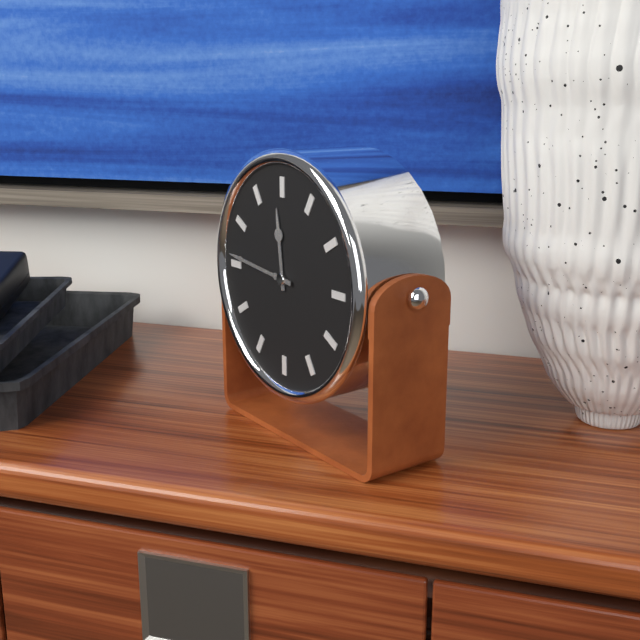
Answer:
11h46
